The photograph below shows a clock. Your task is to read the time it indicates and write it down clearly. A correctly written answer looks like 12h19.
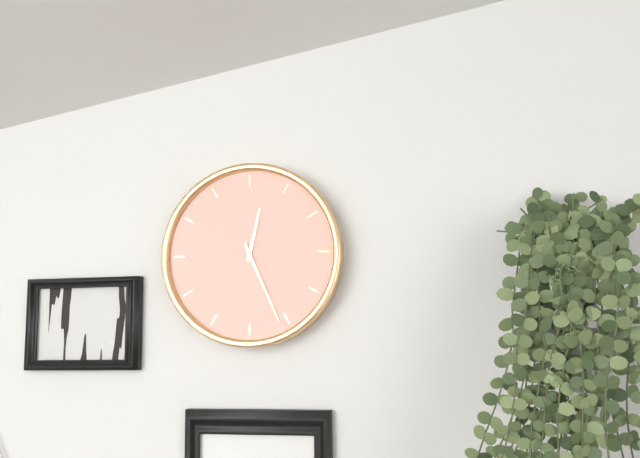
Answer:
12h26
